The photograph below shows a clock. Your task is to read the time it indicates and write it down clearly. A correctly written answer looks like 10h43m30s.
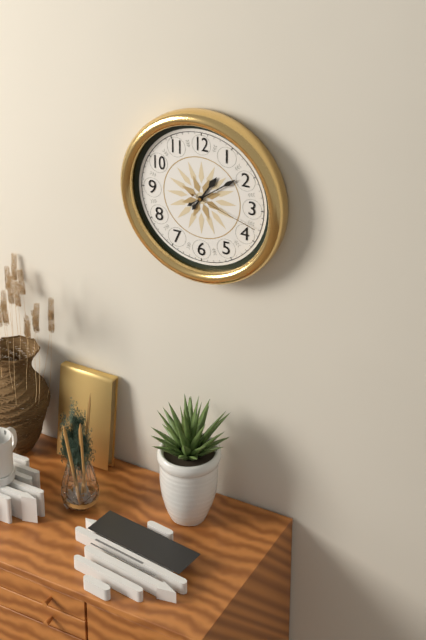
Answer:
1h09m18s
